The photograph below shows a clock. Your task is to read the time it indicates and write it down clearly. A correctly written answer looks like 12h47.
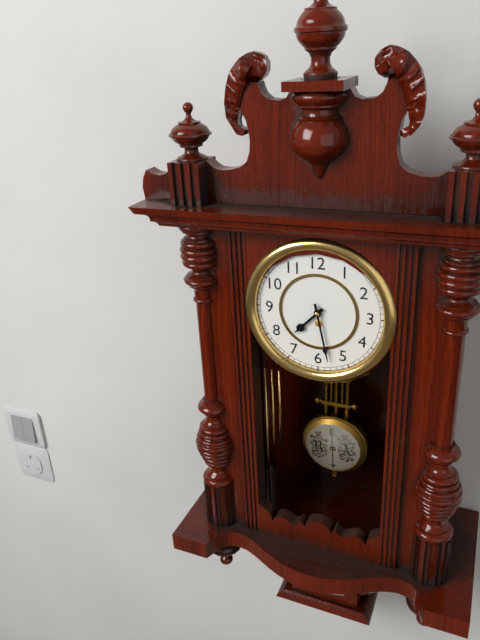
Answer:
7h28
